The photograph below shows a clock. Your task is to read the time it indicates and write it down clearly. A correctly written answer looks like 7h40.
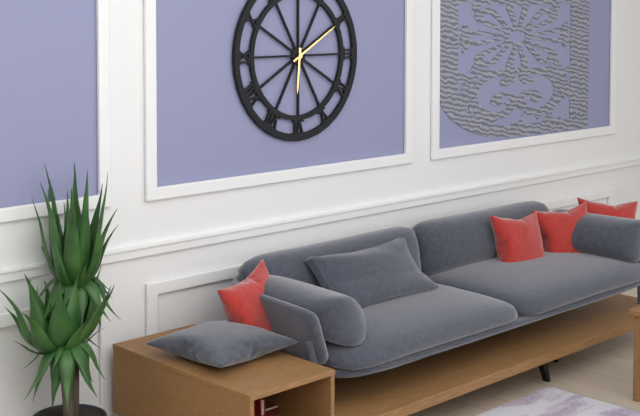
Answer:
6h10
